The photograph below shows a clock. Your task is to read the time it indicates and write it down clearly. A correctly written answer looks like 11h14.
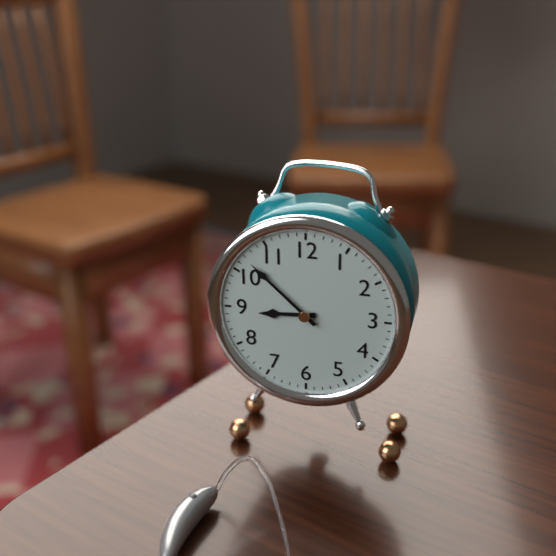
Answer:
8h52
